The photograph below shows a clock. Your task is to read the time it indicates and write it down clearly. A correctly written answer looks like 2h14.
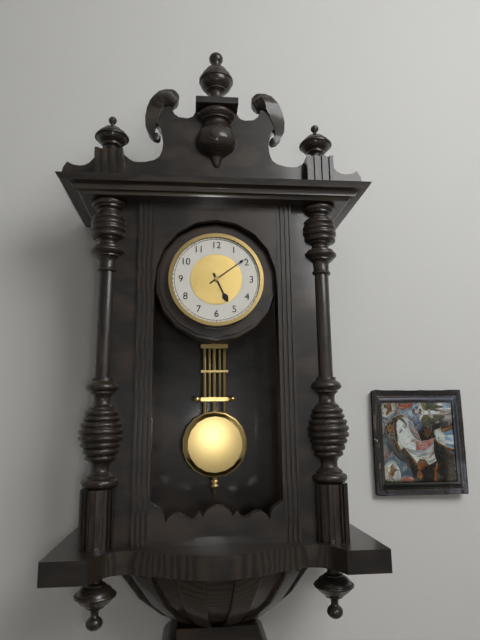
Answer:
5h09
